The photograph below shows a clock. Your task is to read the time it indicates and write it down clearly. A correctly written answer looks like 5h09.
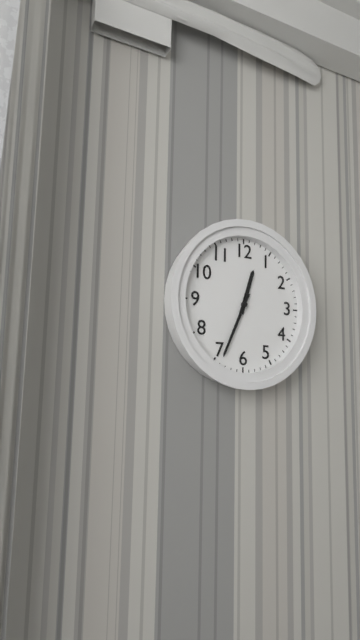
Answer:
12h34
